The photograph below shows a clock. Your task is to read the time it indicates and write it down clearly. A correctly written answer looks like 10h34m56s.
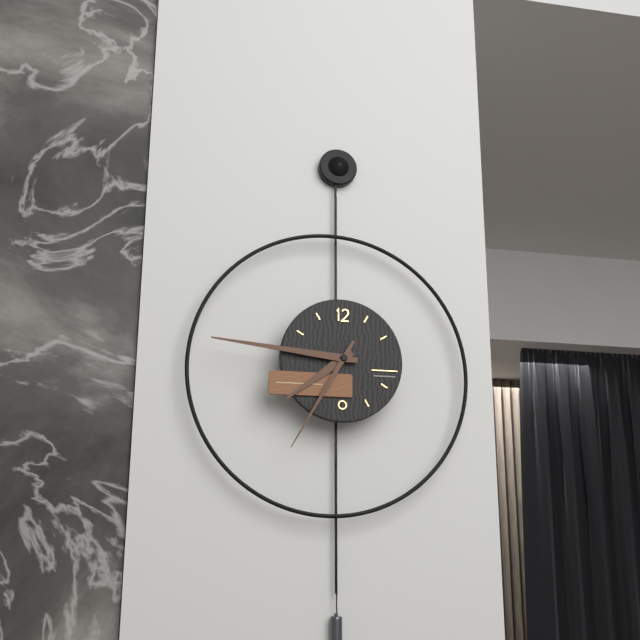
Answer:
7h46m35s
